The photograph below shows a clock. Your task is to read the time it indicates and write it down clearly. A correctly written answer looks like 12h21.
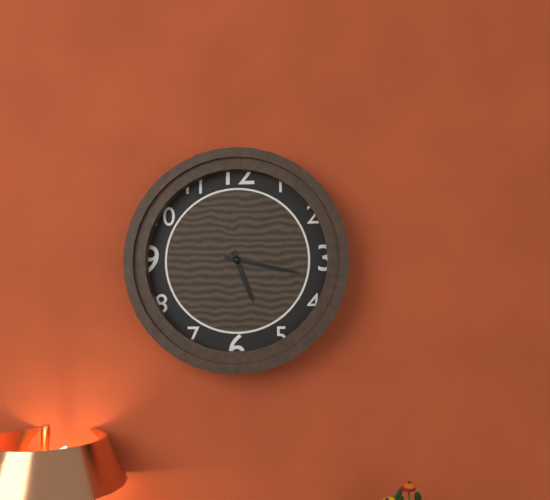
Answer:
5h17
